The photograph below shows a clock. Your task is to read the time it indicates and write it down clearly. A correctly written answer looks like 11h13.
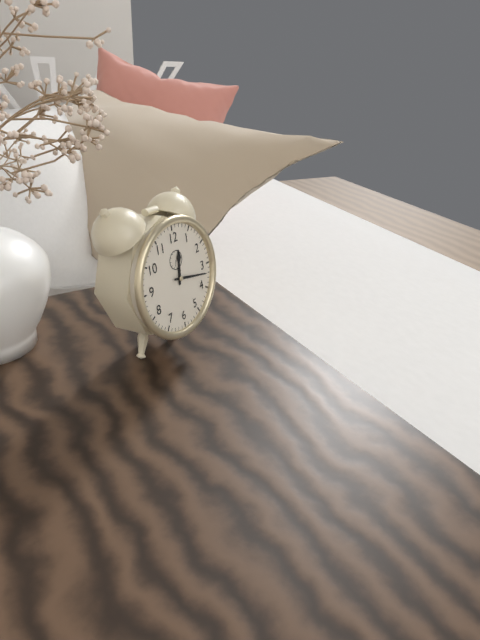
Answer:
12h17
